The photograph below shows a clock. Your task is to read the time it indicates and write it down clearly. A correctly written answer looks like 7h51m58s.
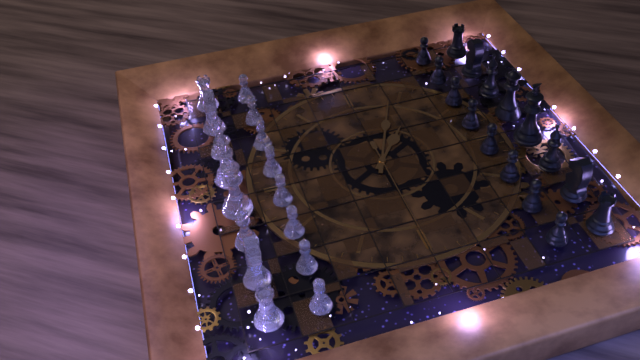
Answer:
4h19m45s
